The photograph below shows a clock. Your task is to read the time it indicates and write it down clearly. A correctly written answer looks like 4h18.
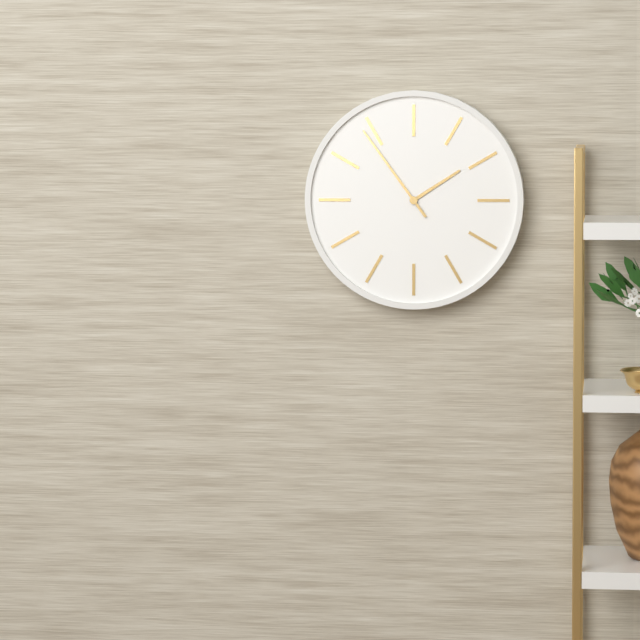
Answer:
1h54
